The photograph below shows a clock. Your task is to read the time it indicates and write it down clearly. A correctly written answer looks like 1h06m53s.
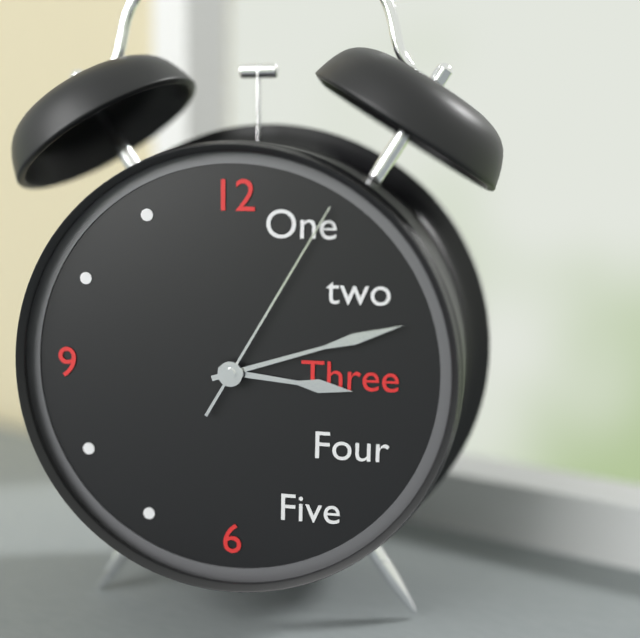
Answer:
3h12m05s
